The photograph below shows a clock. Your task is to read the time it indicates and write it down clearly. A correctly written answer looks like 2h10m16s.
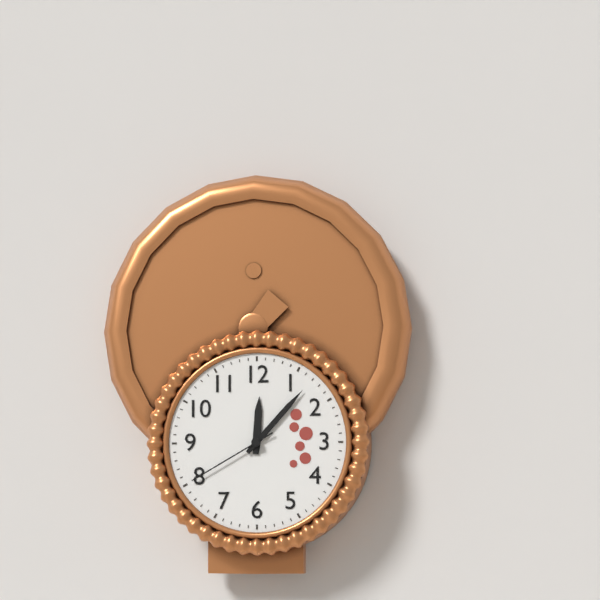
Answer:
12h07m40s
